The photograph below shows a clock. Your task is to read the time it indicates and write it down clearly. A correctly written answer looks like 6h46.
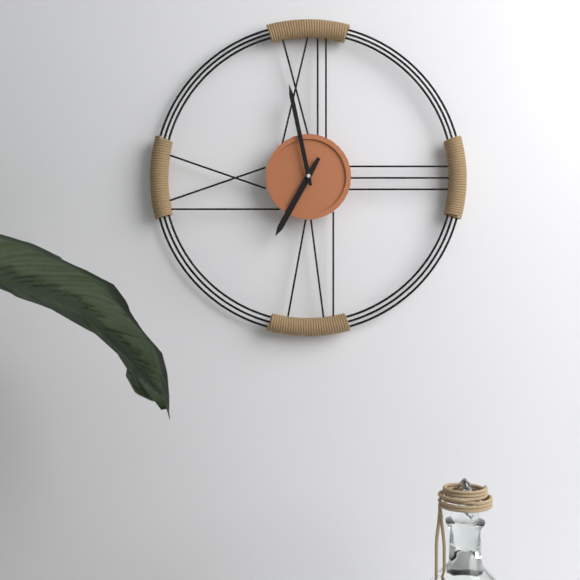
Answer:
6h58
